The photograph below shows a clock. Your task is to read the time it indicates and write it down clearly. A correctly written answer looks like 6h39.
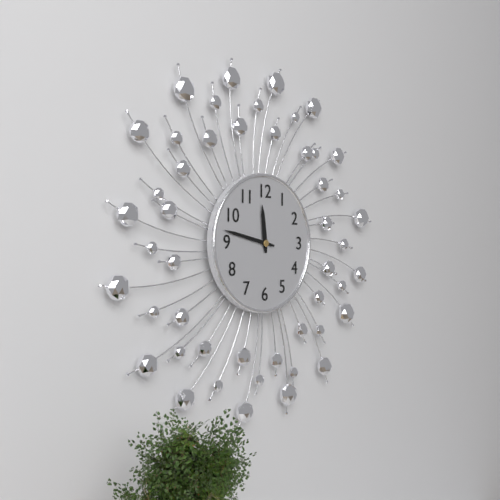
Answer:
11h47
